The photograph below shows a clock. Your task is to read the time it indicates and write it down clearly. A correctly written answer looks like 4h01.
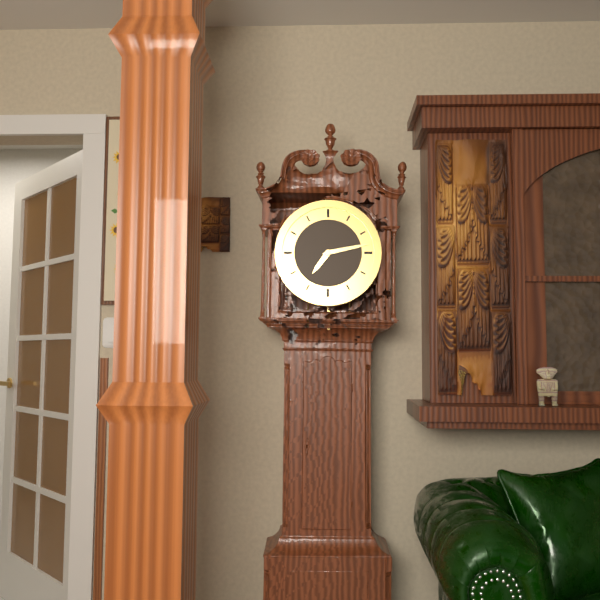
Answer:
7h13
